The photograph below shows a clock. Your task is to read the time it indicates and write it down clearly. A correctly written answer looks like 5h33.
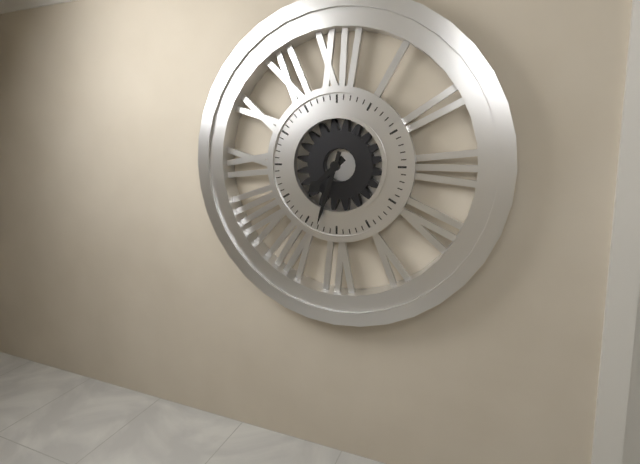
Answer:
7h33
